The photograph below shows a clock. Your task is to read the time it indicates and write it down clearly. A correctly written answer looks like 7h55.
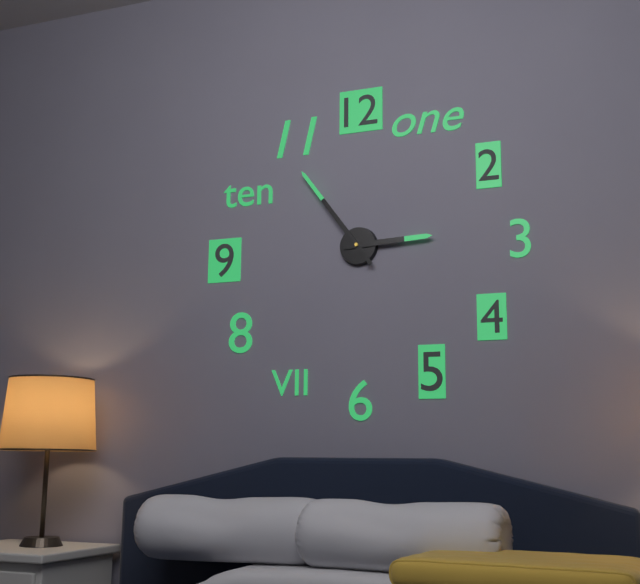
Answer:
2h54
